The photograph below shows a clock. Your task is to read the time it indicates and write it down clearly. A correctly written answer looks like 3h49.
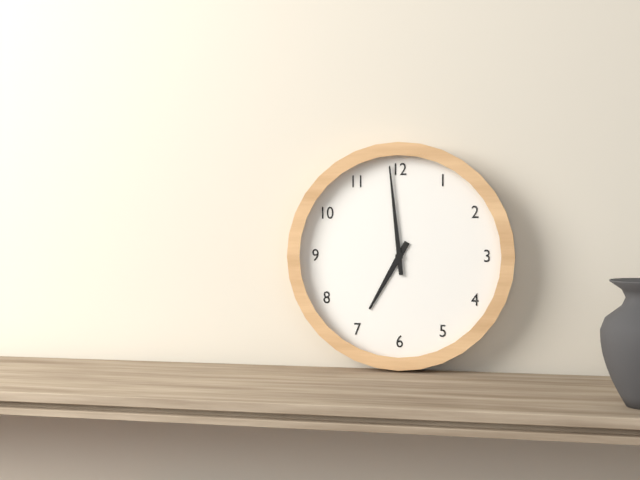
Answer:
6h59
